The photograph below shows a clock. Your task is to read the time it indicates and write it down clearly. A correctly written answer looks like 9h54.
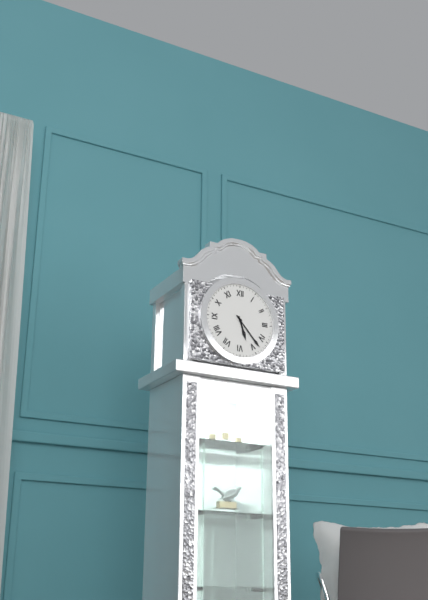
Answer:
5h23
